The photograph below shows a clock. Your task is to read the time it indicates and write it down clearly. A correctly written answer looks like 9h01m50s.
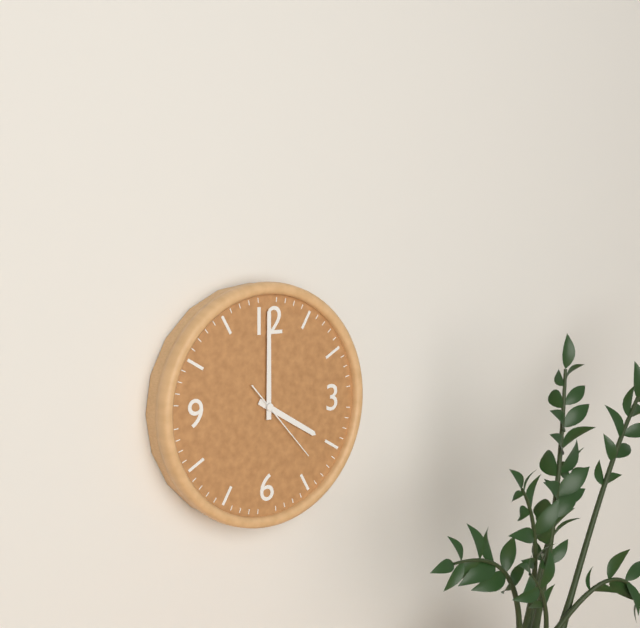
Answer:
4h00m23s
